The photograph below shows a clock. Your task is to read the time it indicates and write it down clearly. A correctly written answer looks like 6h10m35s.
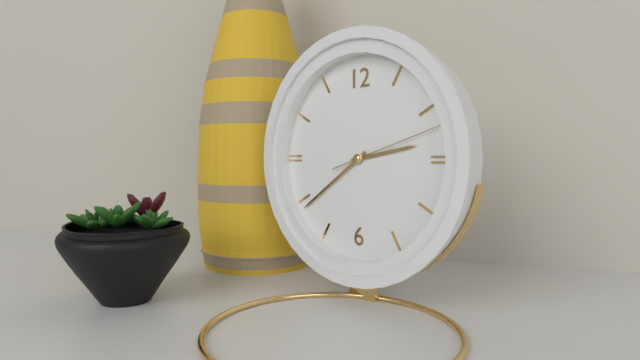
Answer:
2h39m12s
